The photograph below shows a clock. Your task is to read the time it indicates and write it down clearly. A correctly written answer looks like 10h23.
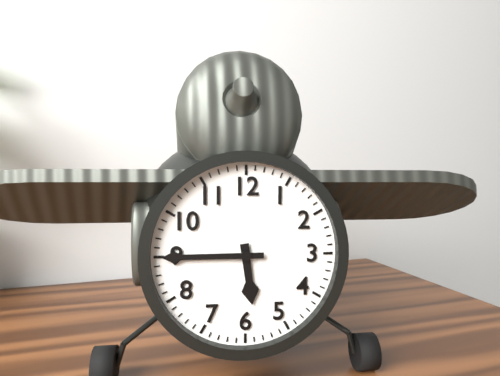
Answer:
5h45
